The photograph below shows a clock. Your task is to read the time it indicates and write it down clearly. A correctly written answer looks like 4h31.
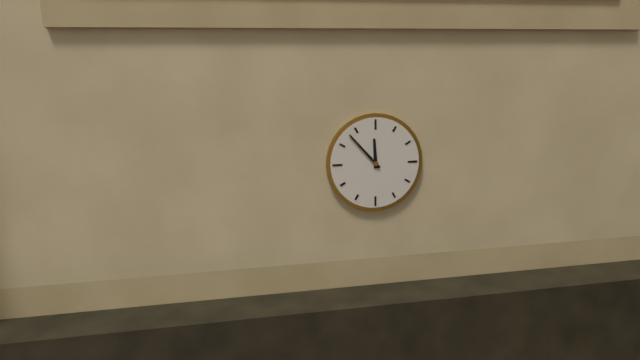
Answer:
11h53
